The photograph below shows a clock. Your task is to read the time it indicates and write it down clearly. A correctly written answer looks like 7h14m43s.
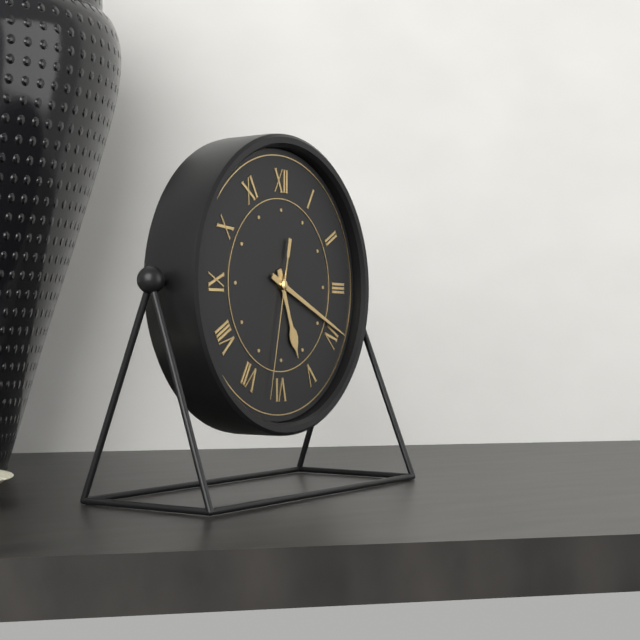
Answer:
5h19m32s
